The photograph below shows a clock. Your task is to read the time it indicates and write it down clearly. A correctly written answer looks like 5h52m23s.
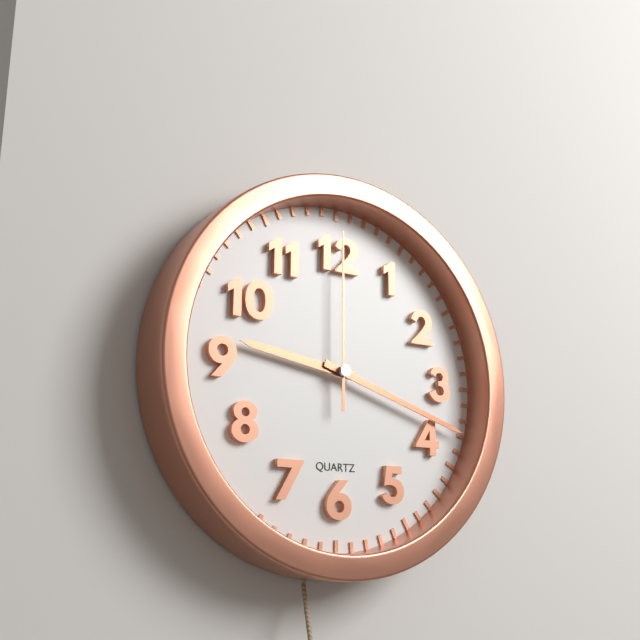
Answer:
9h18m00s
